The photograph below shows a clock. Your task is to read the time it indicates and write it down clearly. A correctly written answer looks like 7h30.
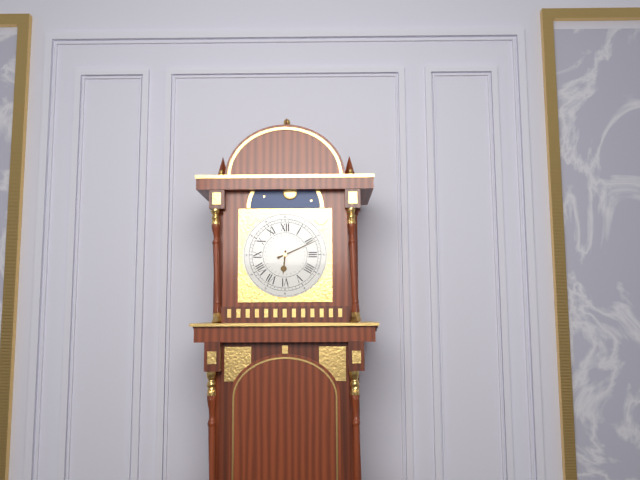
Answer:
6h11
